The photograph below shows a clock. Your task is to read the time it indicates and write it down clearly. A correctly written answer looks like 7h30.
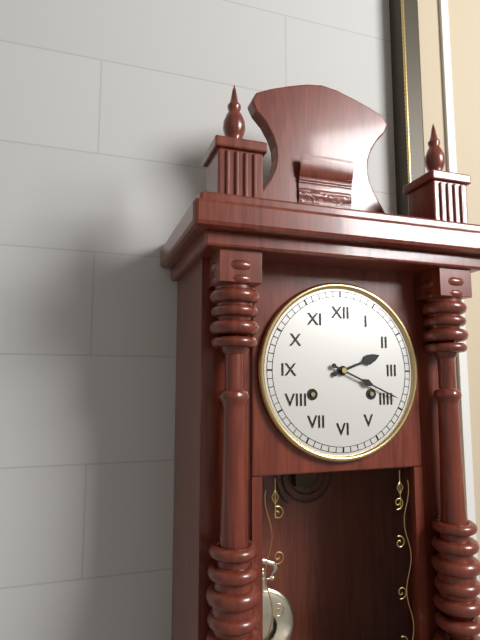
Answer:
2h19
